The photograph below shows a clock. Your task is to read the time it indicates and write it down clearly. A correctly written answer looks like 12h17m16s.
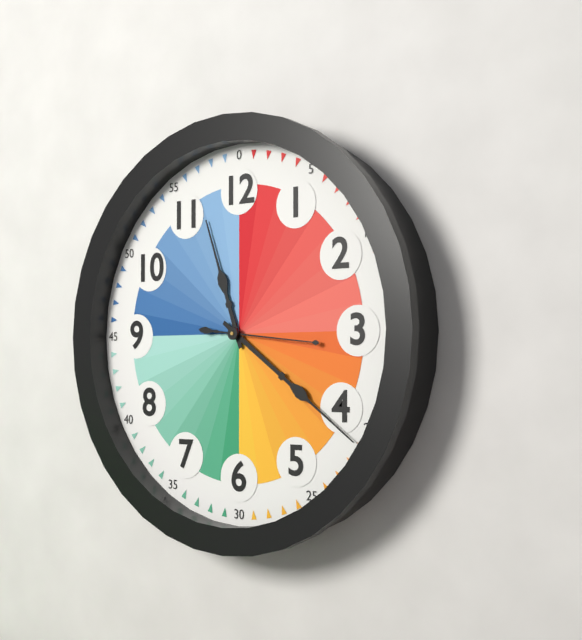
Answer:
11h21m16s
